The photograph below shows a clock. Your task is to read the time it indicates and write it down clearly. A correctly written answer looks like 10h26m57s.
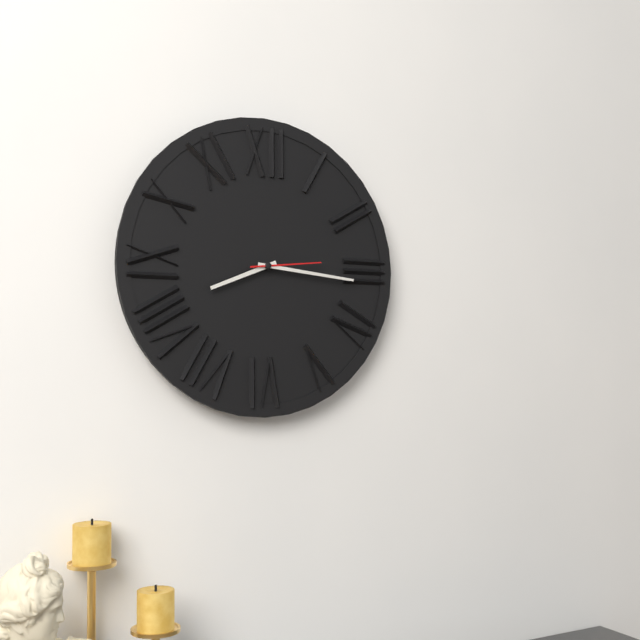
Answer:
8h16m14s
